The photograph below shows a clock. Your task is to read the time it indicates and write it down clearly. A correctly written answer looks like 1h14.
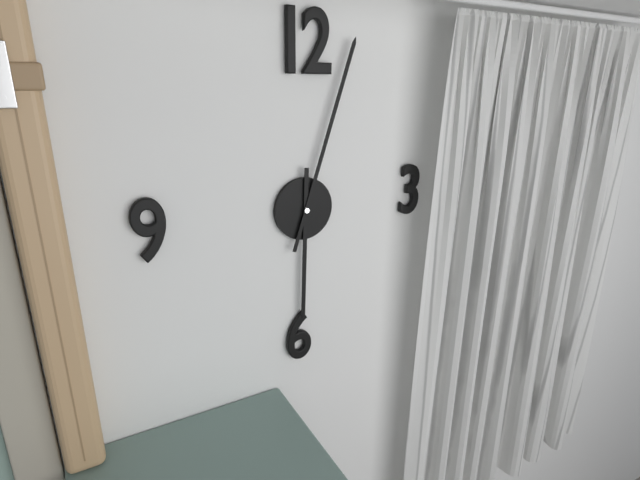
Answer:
6h03
